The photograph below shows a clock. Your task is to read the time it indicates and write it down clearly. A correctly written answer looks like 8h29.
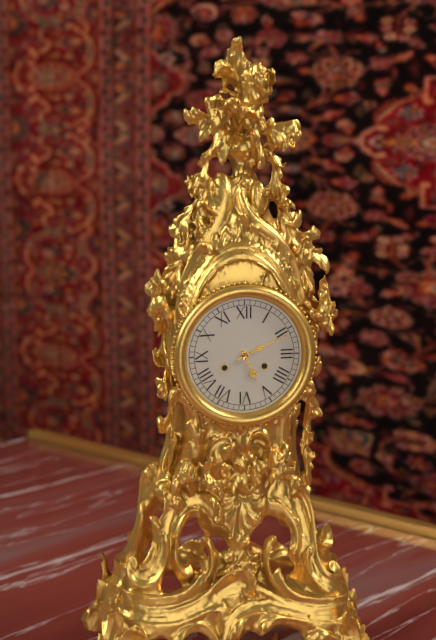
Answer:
5h11
